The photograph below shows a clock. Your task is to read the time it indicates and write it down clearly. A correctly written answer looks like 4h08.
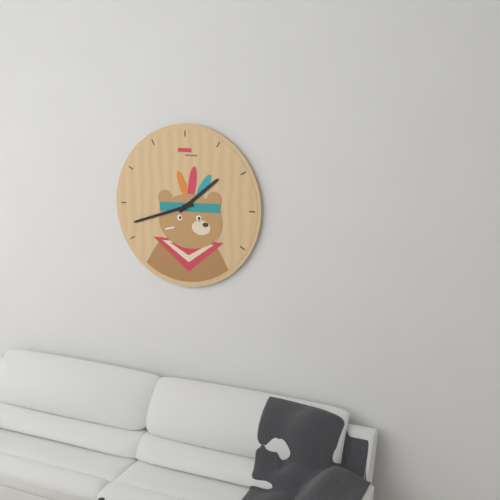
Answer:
1h42
